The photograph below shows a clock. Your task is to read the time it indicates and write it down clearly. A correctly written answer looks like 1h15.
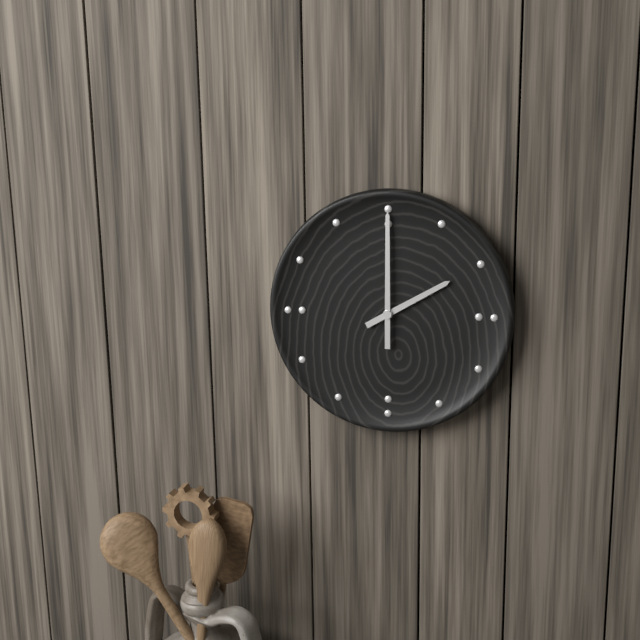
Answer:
2h00
